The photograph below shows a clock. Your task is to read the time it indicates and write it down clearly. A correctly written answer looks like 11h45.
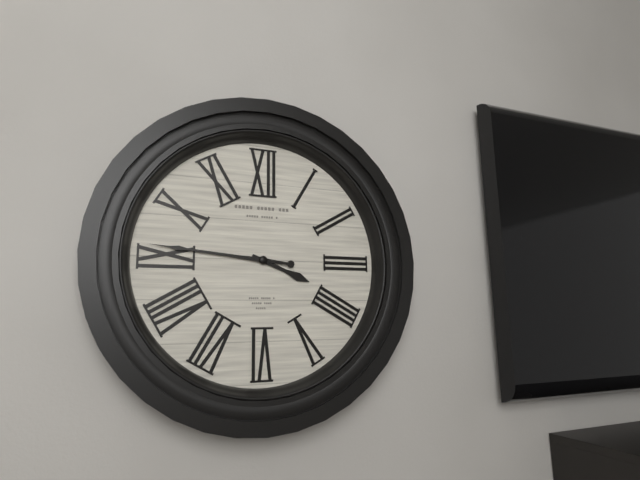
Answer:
3h46
